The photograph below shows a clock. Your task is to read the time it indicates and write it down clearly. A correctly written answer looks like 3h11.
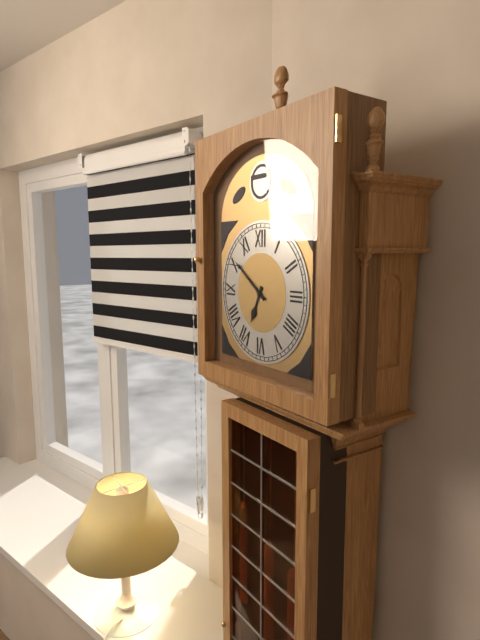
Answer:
6h51
